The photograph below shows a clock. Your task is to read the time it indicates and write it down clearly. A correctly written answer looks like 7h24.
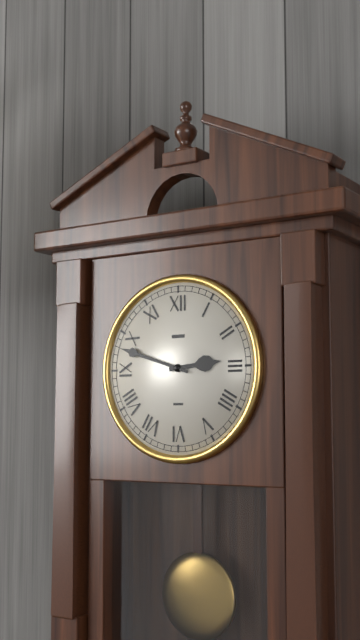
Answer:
2h48
